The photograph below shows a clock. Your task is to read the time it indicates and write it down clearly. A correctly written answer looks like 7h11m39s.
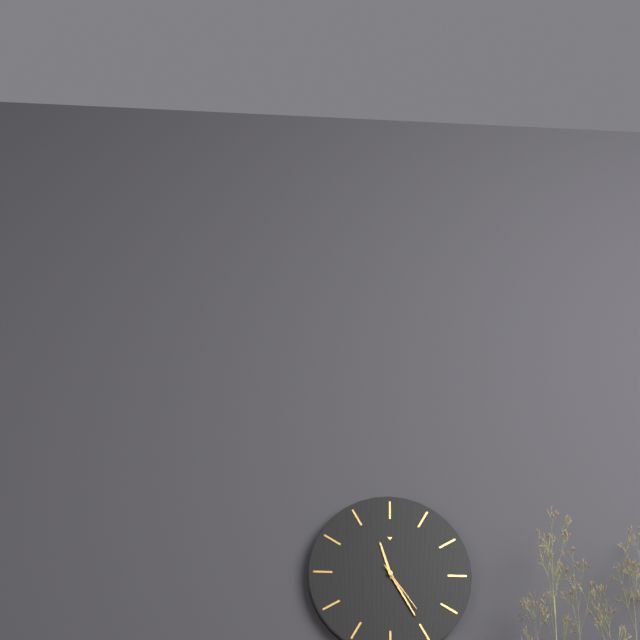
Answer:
11h25m24s
